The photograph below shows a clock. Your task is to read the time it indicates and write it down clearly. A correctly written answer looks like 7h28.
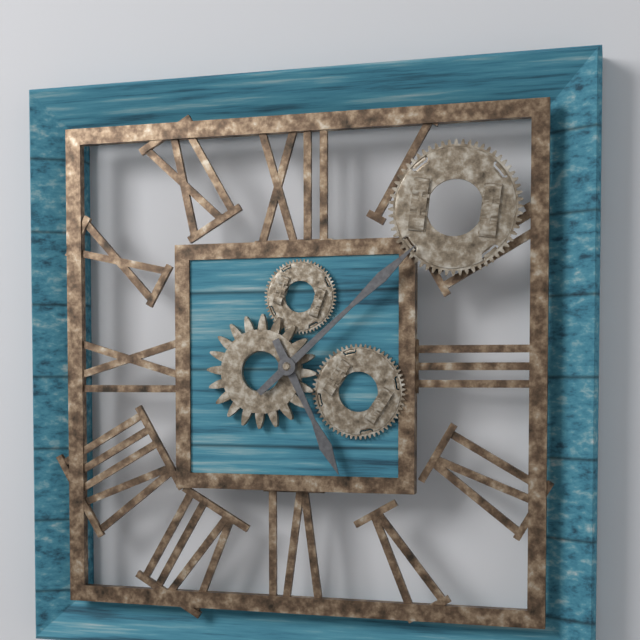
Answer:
5h08
